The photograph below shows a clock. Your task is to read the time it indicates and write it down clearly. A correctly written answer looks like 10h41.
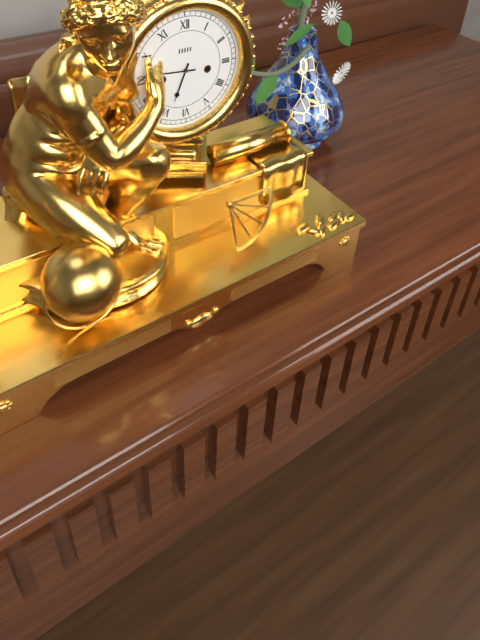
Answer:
6h46
